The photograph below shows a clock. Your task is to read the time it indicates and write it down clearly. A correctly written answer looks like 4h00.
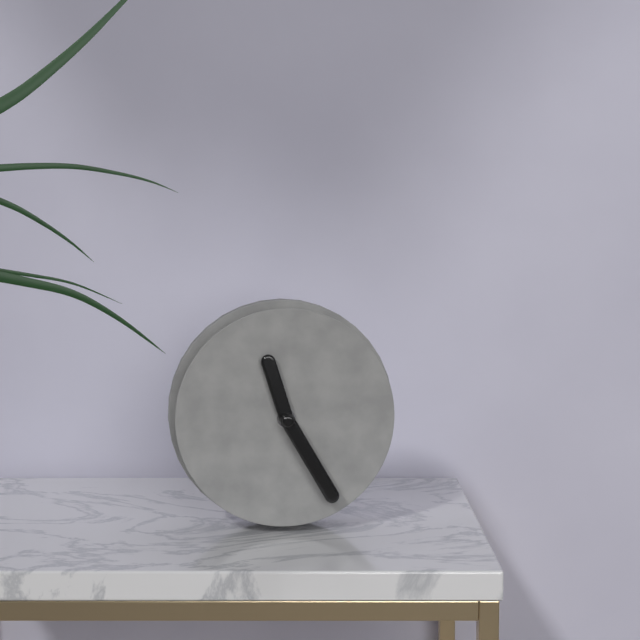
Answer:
11h25
